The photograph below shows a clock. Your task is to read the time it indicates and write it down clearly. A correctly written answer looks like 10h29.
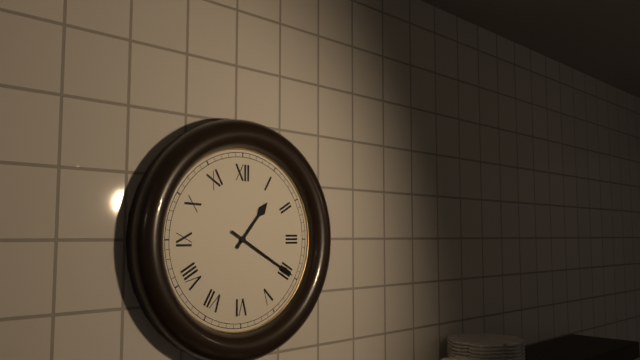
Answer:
1h20
